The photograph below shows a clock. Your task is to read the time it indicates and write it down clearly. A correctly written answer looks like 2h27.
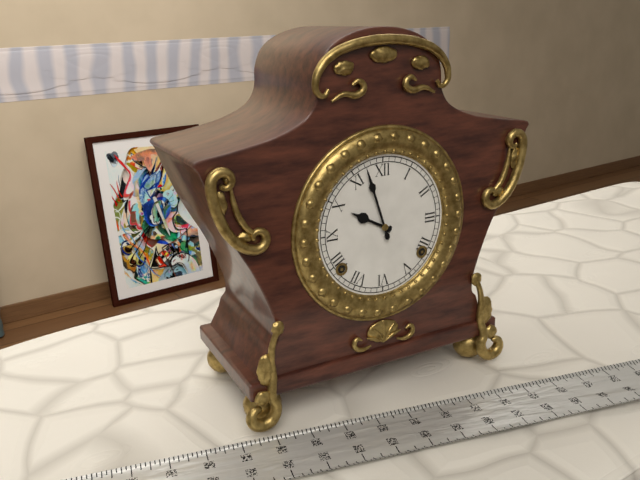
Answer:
9h57
